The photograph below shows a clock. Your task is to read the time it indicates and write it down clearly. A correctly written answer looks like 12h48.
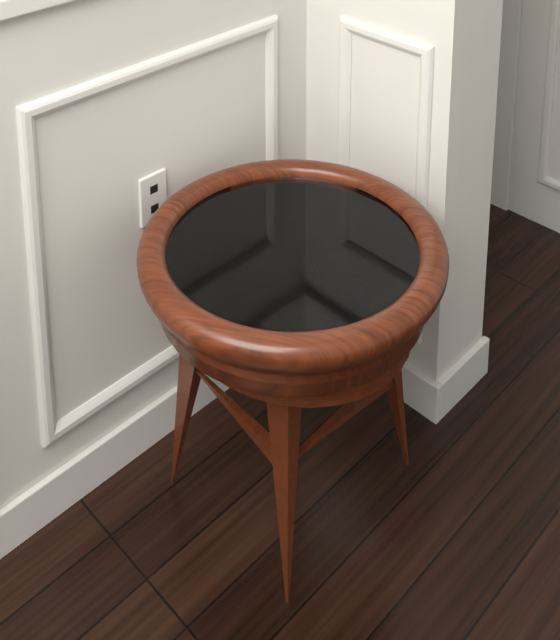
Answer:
9h08
